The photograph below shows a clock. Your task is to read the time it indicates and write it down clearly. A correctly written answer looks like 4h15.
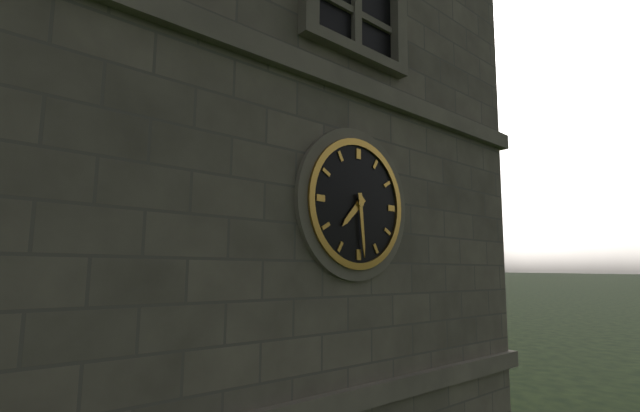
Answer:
7h29
